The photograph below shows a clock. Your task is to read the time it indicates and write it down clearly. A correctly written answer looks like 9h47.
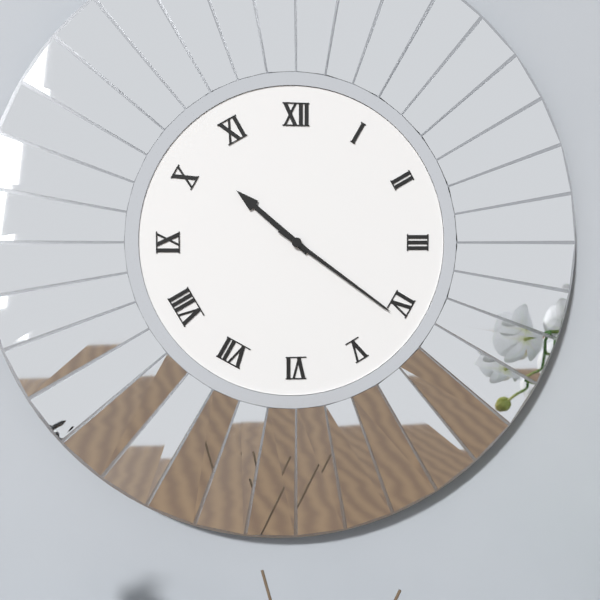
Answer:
10h21
